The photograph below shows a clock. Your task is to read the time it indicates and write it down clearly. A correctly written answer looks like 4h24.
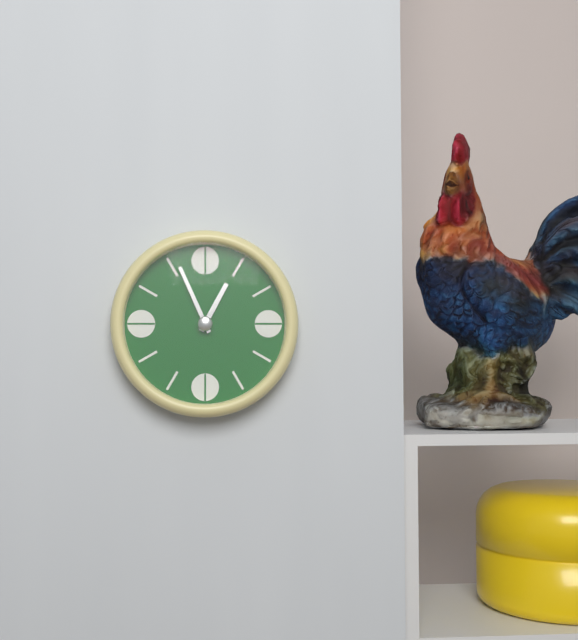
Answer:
12h56
